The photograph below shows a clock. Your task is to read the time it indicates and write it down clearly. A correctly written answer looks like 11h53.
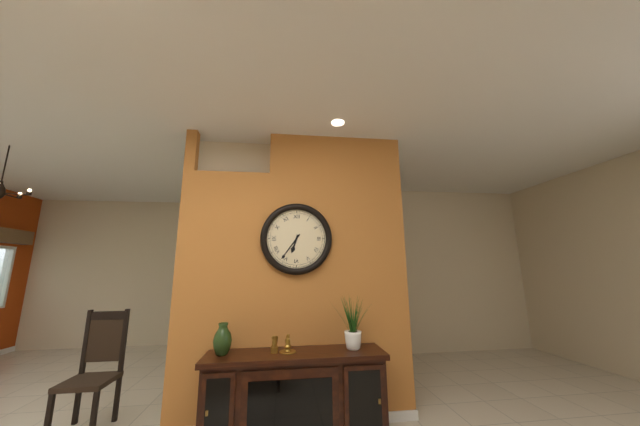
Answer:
6h36
